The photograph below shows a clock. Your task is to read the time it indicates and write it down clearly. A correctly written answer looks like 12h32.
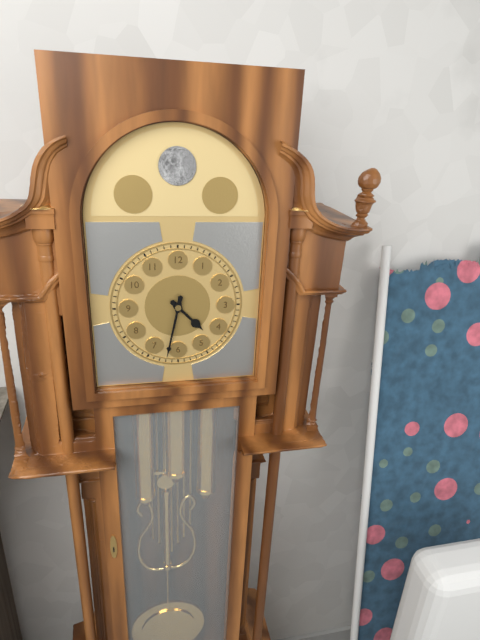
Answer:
4h32
